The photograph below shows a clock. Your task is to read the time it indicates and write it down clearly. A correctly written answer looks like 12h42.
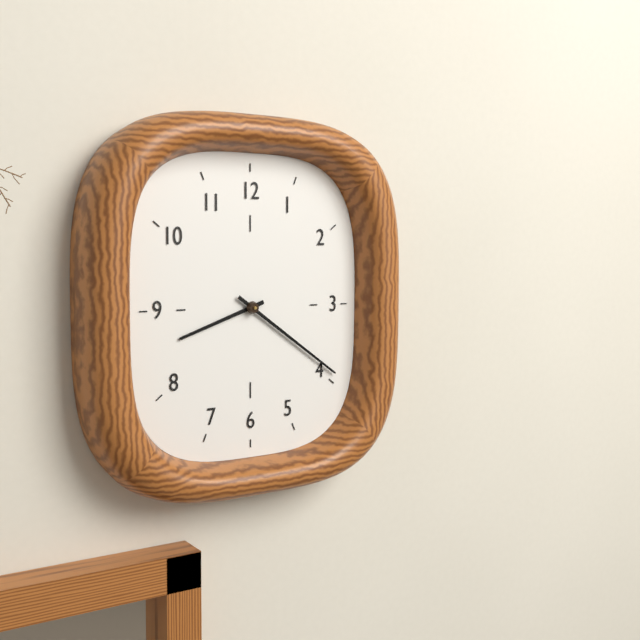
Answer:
8h21
